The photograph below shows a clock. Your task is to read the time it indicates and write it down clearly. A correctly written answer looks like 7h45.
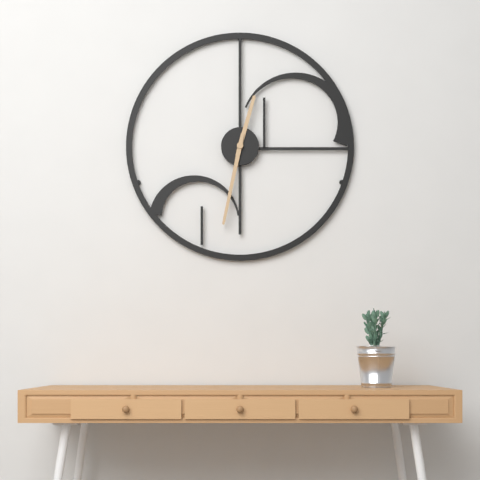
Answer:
12h32
